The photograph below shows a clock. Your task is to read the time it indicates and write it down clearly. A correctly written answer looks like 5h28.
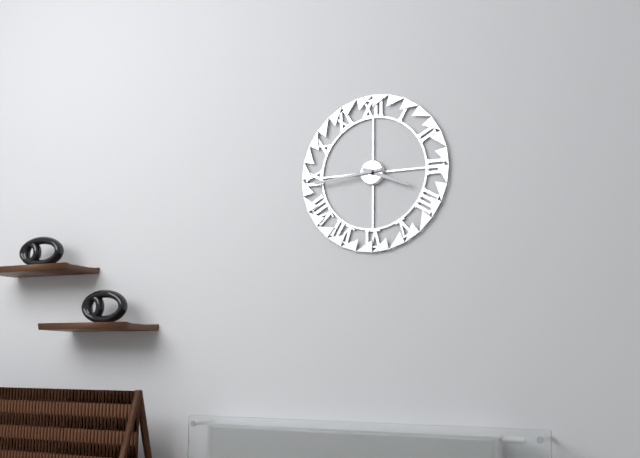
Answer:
3h44
